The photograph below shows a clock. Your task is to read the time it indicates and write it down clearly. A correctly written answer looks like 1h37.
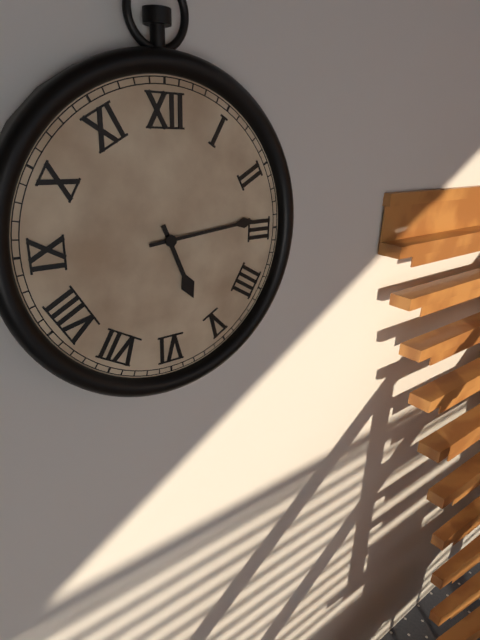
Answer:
5h14
